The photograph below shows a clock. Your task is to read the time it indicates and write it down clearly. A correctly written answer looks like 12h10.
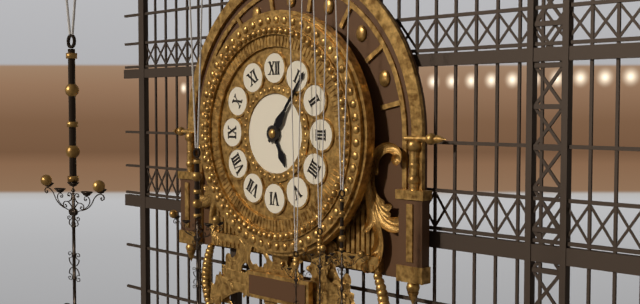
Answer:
5h06
